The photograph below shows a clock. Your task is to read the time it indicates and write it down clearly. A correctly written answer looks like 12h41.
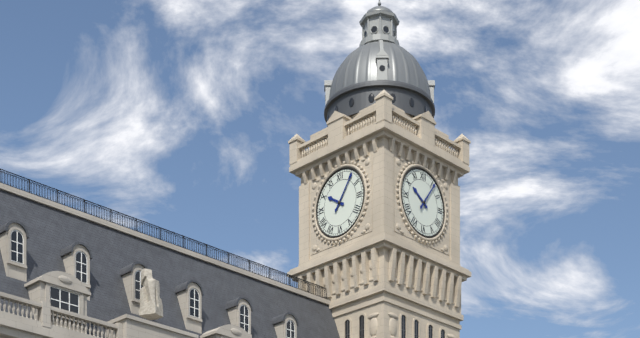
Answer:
10h06
